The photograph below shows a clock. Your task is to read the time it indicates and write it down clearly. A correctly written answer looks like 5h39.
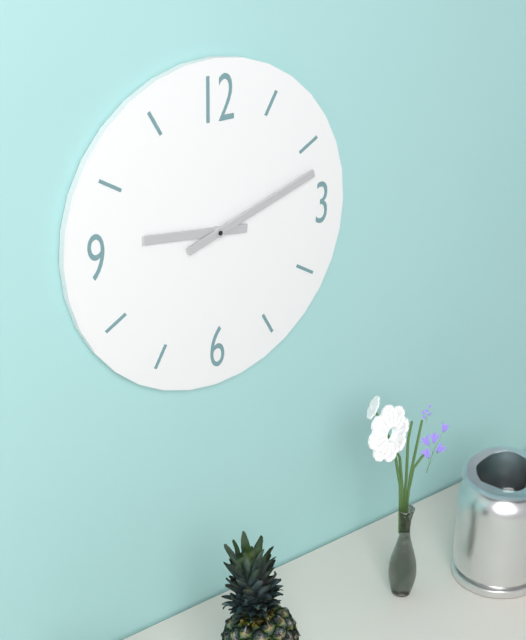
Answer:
9h12
